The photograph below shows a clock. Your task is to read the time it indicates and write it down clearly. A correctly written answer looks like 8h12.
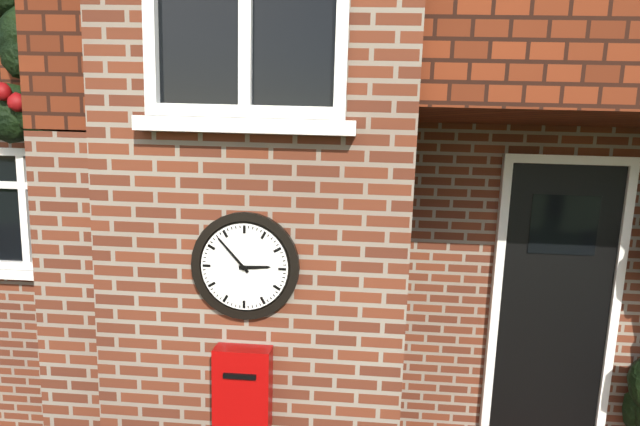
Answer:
2h53
